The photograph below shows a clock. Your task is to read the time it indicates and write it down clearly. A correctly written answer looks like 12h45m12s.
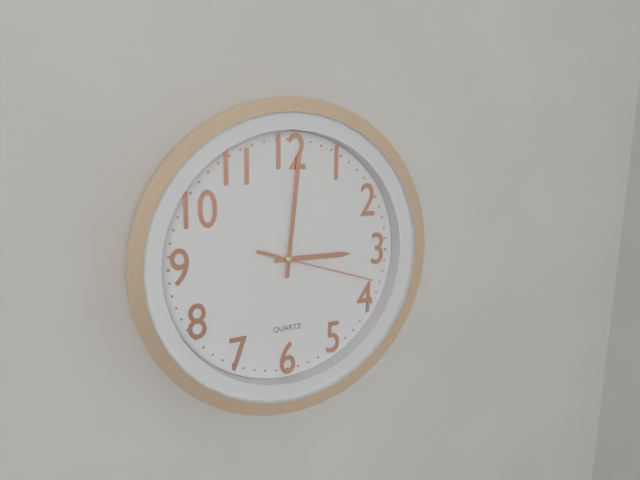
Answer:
3h01m18s
